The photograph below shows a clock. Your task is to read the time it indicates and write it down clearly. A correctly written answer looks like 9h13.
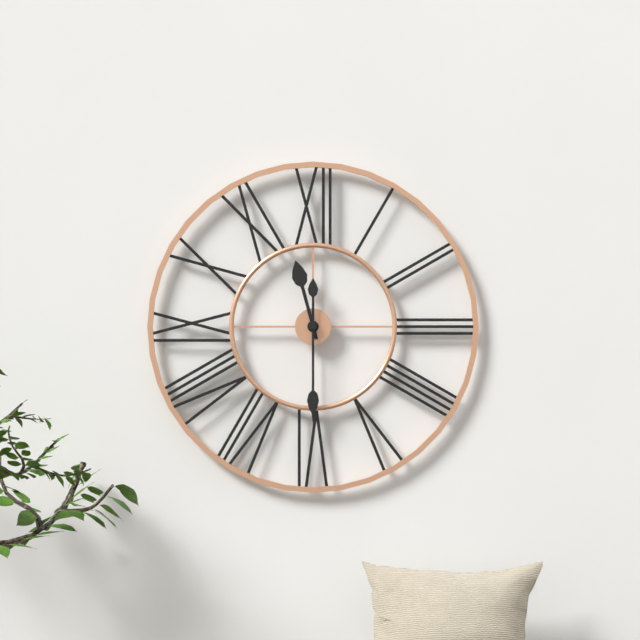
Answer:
11h30
